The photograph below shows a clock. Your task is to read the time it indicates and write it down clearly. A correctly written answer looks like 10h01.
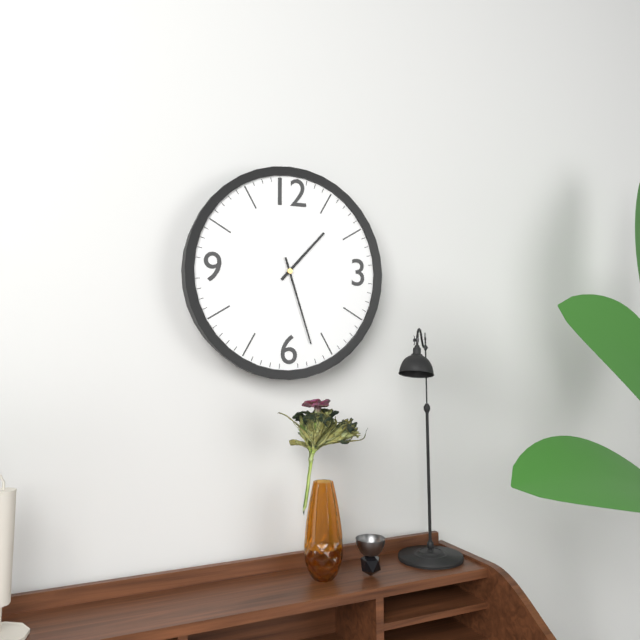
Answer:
1h27
